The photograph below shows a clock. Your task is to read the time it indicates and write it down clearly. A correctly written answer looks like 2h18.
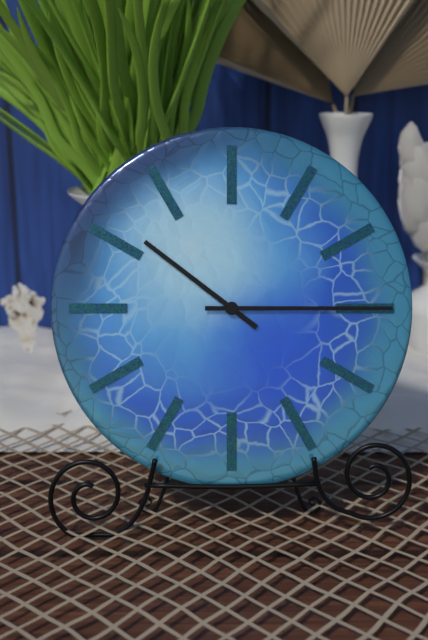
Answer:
10h15
